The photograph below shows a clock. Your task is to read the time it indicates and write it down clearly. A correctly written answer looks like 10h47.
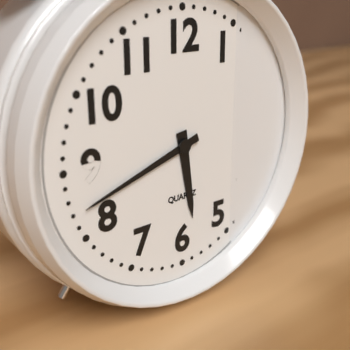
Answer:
5h42
